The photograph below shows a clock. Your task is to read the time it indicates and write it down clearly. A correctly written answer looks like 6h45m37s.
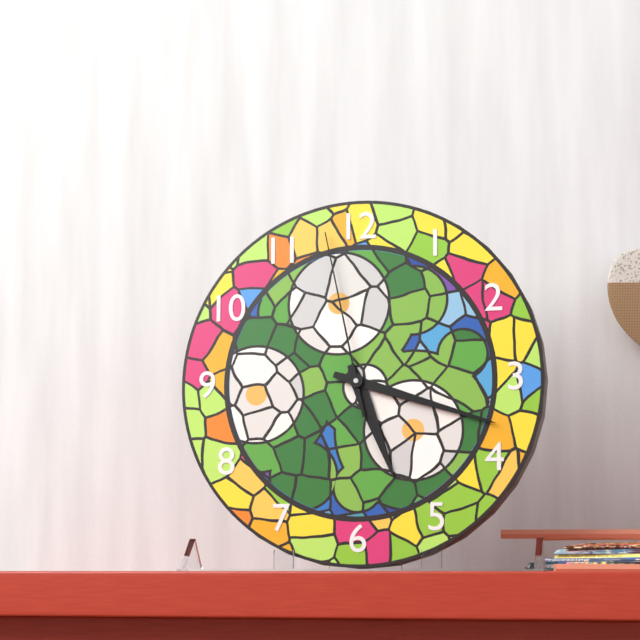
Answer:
5h18m58s
